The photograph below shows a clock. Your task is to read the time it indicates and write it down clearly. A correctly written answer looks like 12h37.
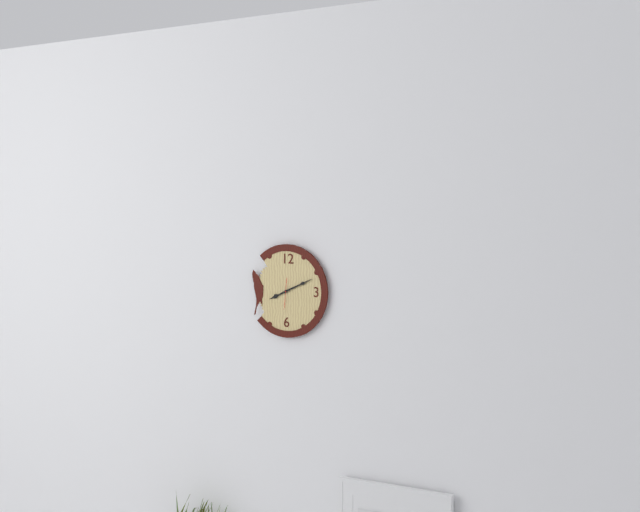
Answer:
8h11
